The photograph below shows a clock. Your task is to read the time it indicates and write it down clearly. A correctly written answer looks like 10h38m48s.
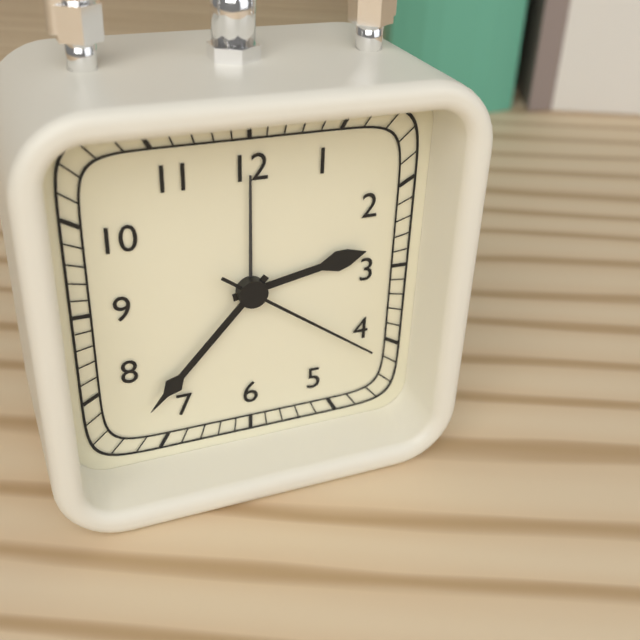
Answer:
2h37m21s
